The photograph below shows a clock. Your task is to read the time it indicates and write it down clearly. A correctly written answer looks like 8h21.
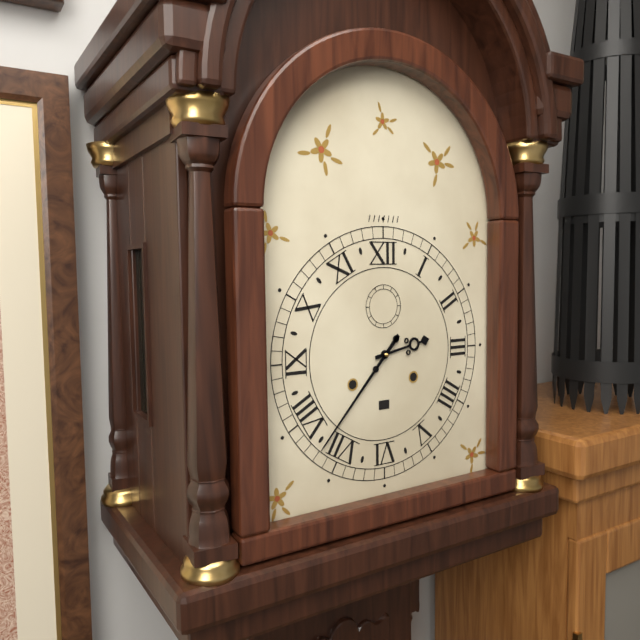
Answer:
2h37
